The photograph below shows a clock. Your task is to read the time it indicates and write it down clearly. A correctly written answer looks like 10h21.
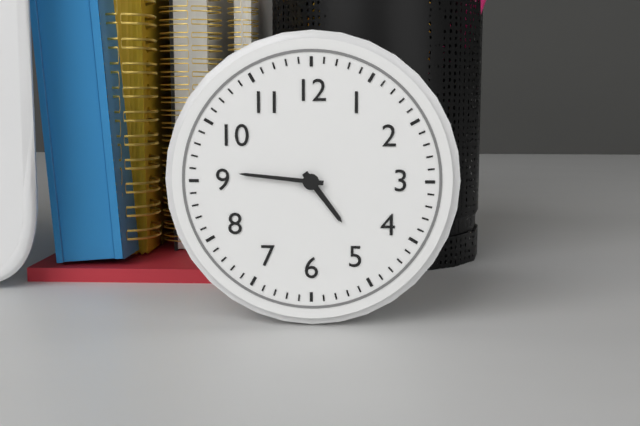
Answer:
4h46
